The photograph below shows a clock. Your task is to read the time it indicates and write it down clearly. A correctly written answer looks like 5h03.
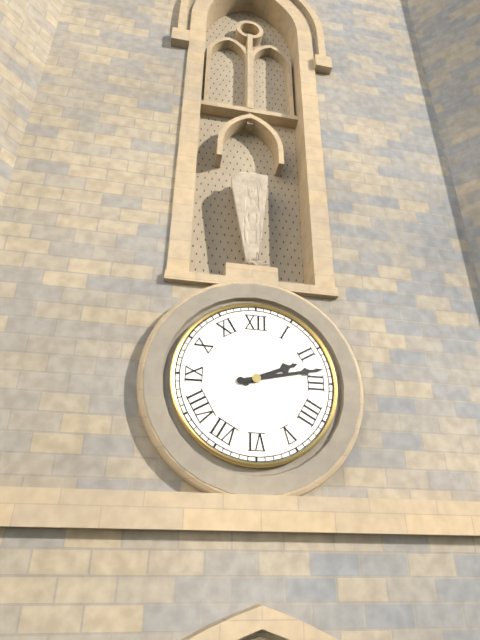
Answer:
2h13
